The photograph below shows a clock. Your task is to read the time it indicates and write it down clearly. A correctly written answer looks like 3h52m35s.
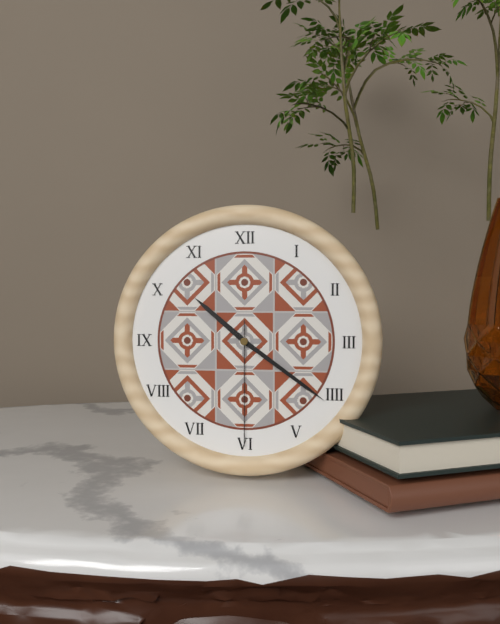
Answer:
10h21m30s
